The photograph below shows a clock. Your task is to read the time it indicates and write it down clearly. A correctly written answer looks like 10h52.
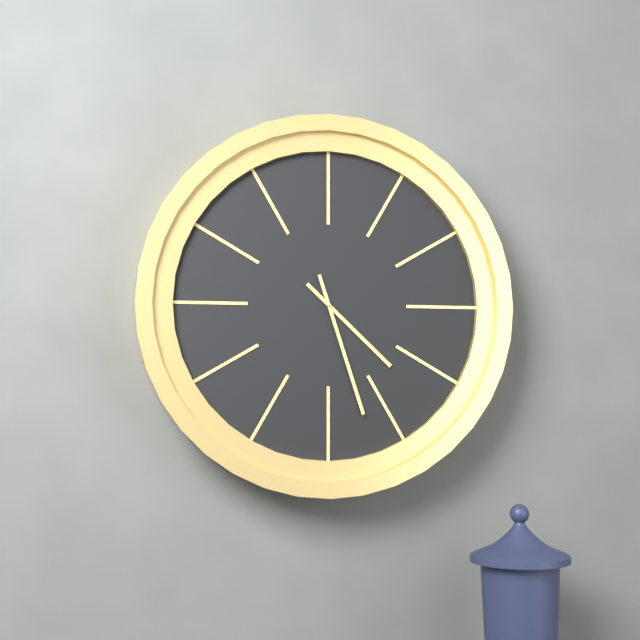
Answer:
4h27
